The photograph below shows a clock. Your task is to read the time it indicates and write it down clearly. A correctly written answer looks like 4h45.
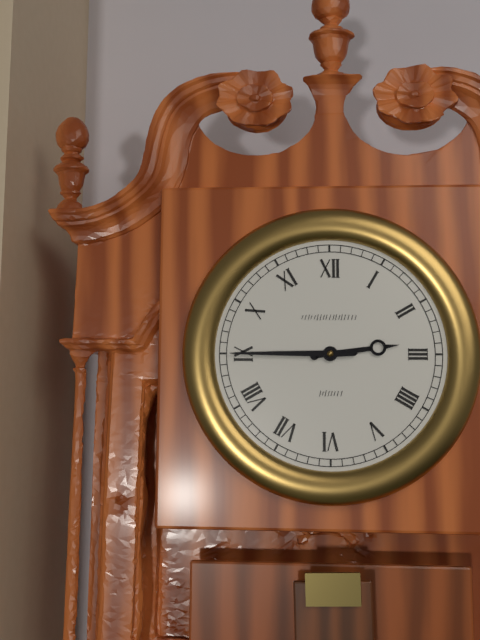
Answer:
2h45
